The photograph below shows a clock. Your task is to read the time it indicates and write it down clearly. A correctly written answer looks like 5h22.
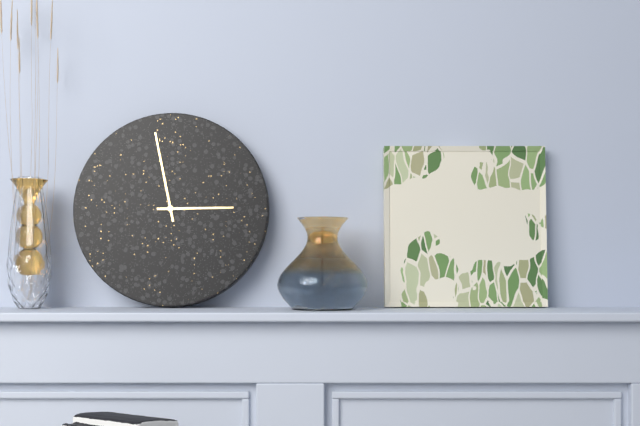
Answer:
2h58
